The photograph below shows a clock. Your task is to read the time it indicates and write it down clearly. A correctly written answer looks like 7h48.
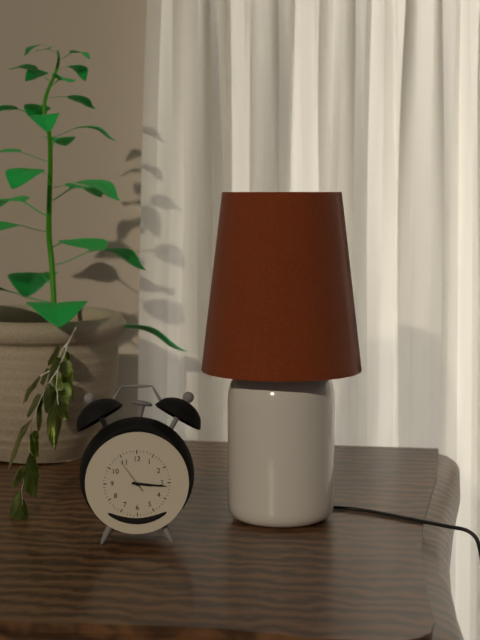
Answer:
3h16
